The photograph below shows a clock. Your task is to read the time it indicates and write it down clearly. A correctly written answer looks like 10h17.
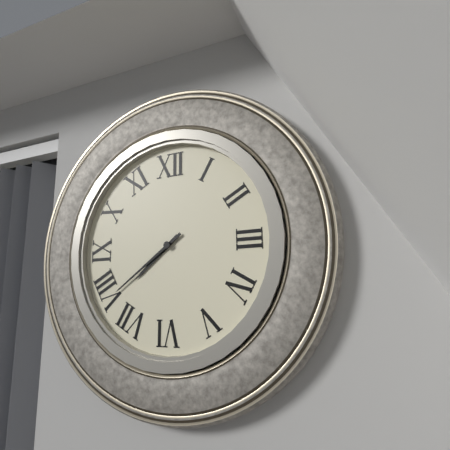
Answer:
7h39
